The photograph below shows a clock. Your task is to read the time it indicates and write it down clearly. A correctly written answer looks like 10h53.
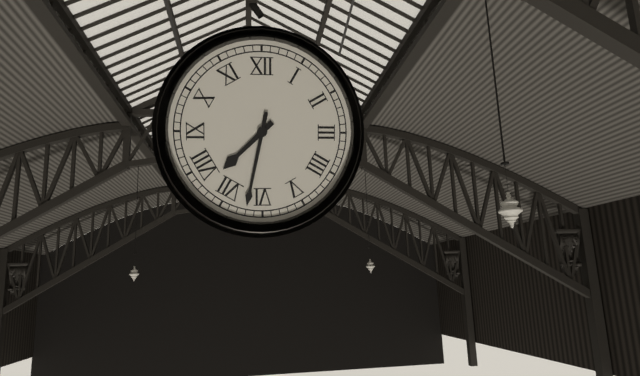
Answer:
7h32
